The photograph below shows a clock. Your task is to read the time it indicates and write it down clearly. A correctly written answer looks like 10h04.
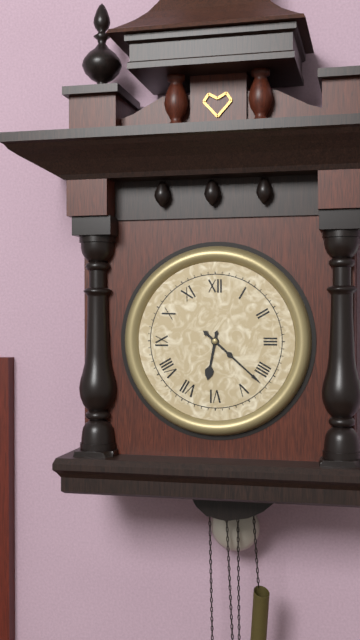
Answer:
6h22
